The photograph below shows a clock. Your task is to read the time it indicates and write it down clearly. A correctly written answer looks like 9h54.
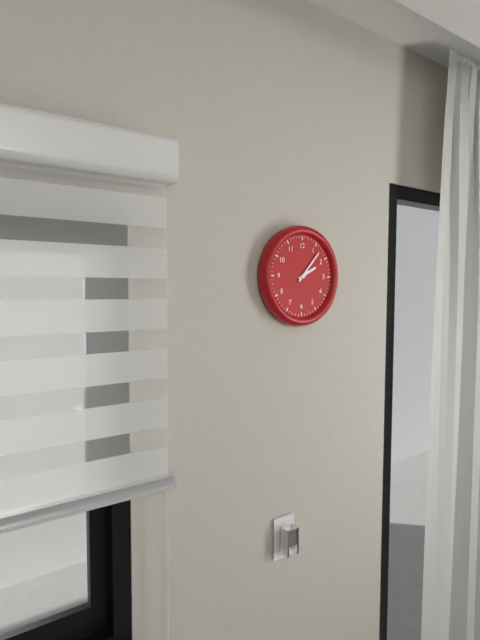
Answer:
2h07
